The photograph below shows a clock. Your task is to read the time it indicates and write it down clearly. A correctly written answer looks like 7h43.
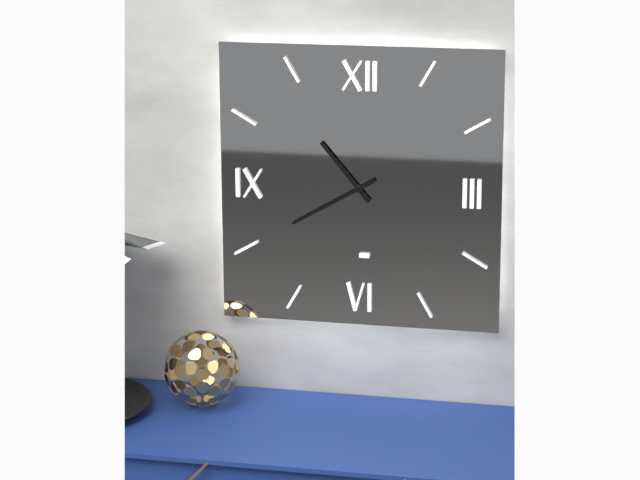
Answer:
10h40
